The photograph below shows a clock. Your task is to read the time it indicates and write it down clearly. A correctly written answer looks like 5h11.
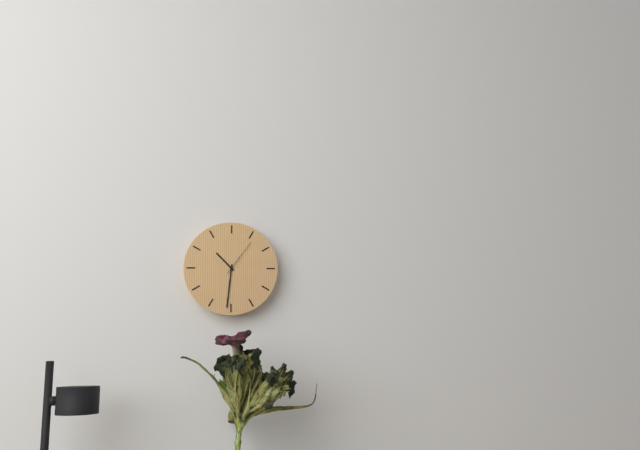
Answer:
10h31
